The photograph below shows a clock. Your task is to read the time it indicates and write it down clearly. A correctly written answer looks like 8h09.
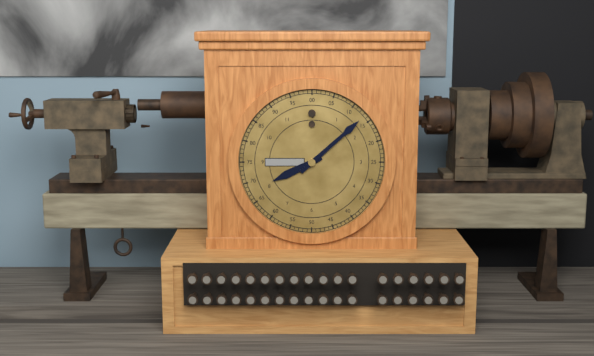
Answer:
8h08
